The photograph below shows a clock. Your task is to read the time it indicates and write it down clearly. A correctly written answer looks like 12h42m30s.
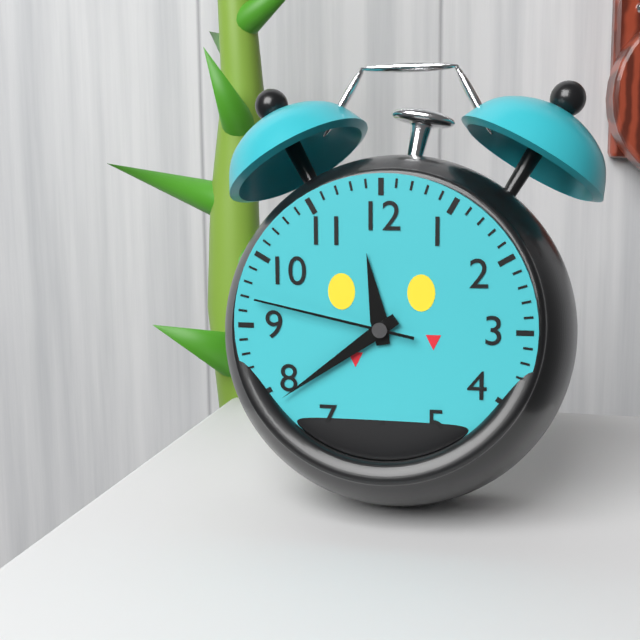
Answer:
11h39m47s
